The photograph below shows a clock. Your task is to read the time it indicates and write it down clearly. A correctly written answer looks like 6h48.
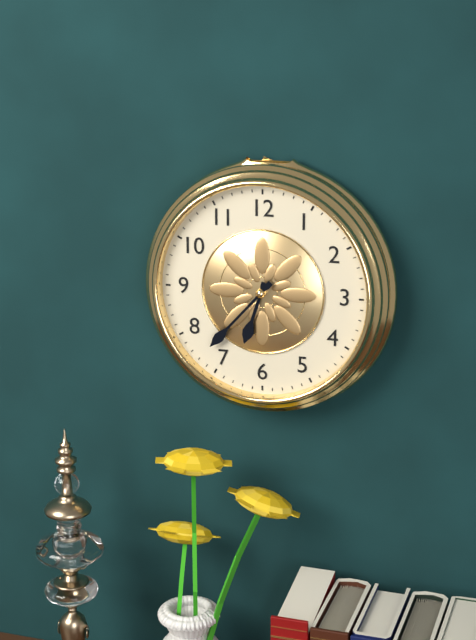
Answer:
6h37
